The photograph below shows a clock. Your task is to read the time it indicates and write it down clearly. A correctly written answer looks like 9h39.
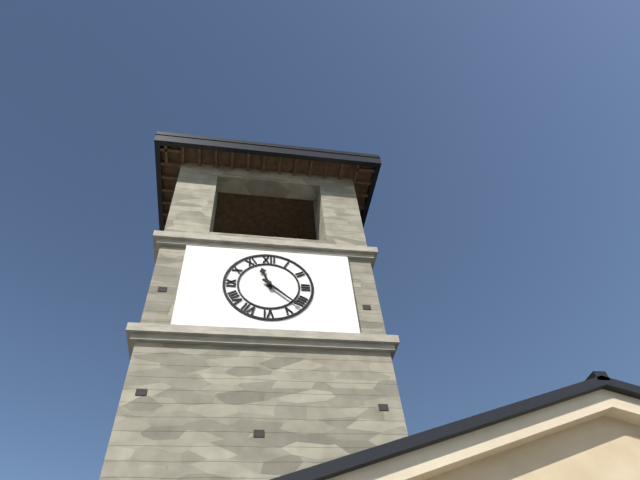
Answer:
11h22
